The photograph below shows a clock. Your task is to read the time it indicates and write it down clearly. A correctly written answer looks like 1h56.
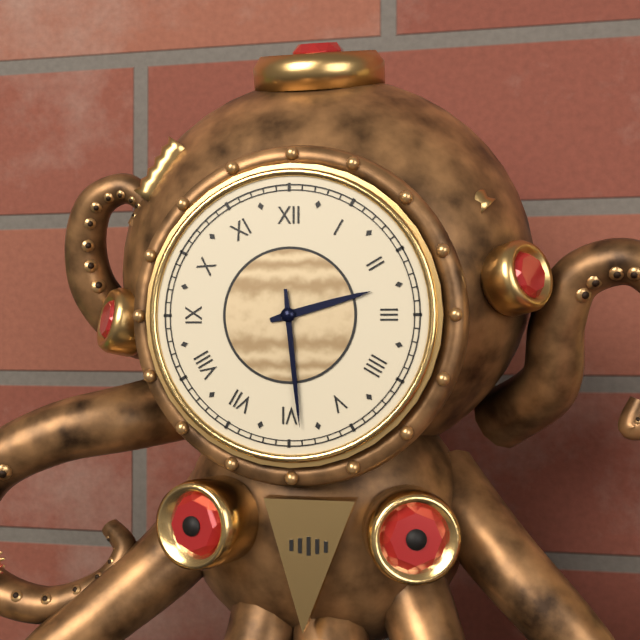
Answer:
2h29
